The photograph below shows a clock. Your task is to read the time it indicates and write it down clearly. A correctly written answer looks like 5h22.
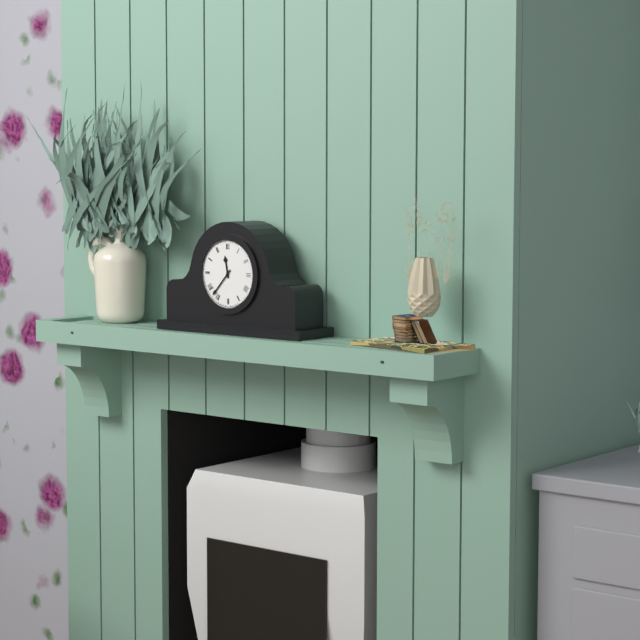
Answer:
11h37
